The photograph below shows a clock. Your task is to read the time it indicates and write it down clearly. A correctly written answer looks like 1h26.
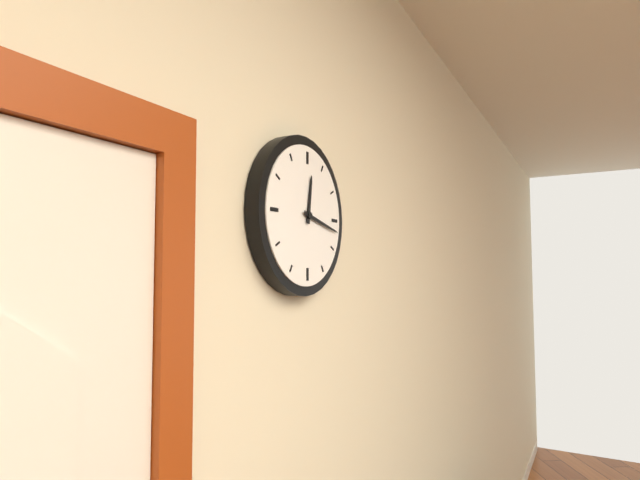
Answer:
12h17
